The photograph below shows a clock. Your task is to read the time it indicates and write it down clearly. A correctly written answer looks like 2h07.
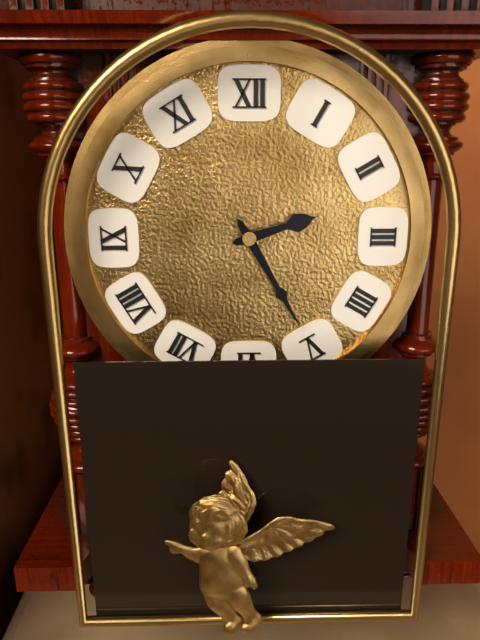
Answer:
2h25
